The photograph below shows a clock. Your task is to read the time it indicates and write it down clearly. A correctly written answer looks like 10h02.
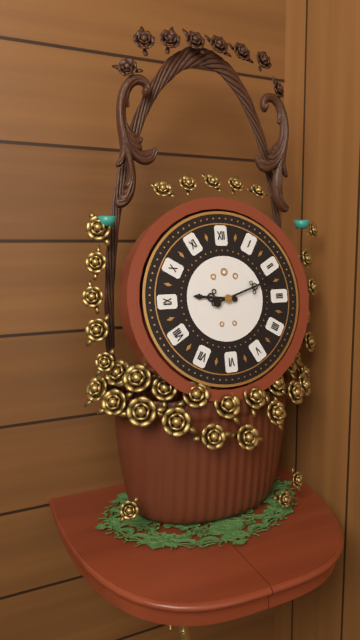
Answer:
9h12
